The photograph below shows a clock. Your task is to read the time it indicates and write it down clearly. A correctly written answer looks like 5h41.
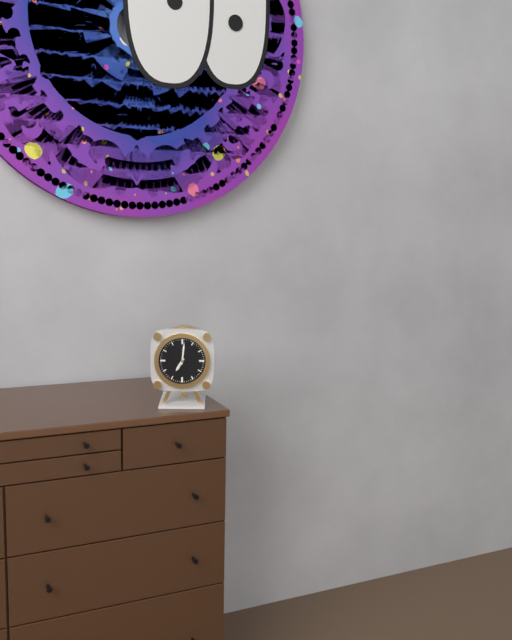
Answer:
7h01
